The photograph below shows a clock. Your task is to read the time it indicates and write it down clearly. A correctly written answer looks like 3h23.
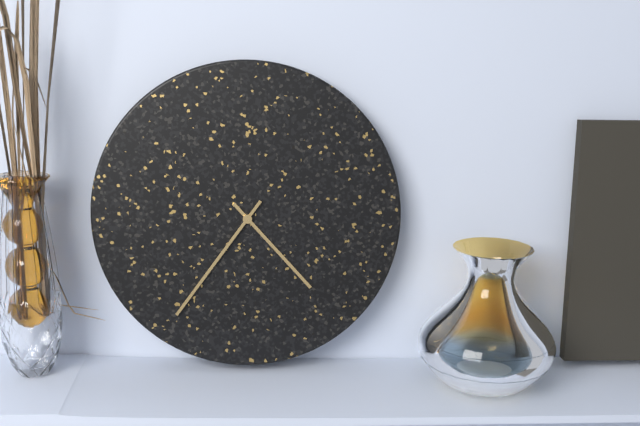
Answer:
4h36
